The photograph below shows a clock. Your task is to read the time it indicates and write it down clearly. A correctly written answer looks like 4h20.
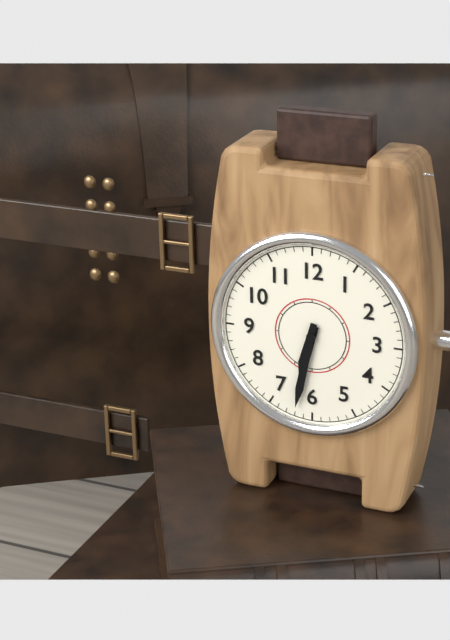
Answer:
6h32
